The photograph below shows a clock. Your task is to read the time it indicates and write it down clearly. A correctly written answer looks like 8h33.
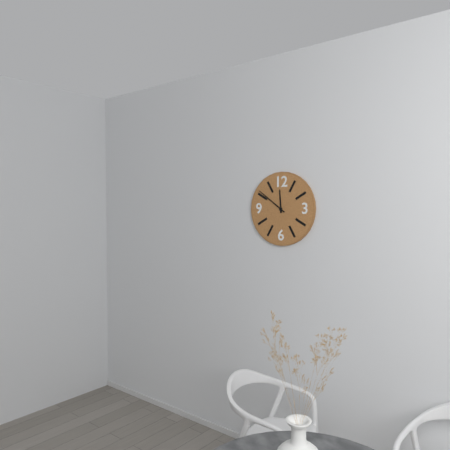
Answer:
11h51
